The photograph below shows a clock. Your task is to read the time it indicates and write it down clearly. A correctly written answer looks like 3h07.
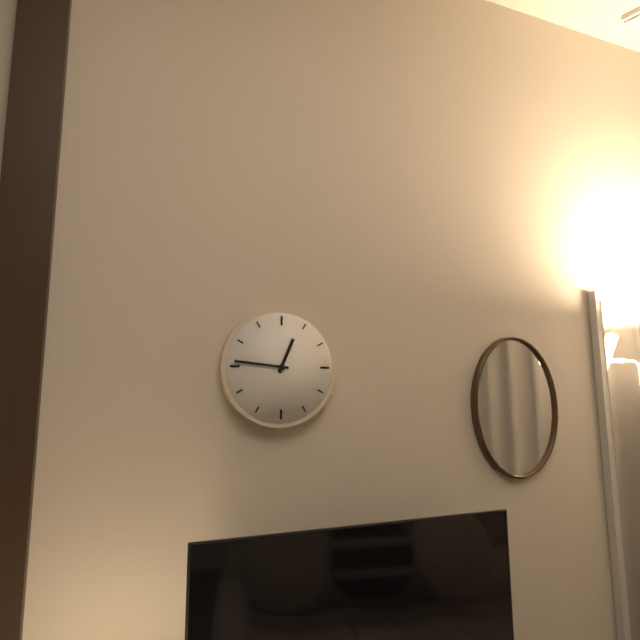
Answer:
12h46
